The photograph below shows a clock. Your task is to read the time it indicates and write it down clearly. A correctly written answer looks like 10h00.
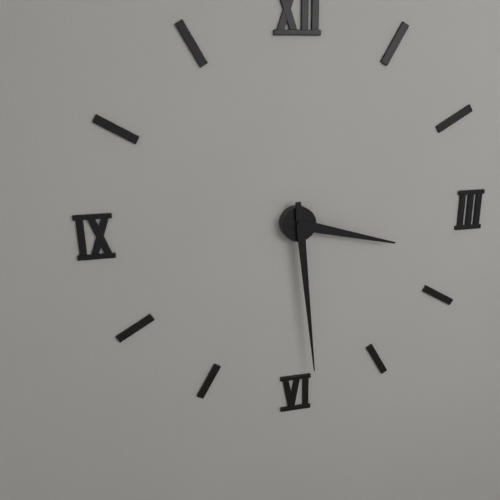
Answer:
3h29
